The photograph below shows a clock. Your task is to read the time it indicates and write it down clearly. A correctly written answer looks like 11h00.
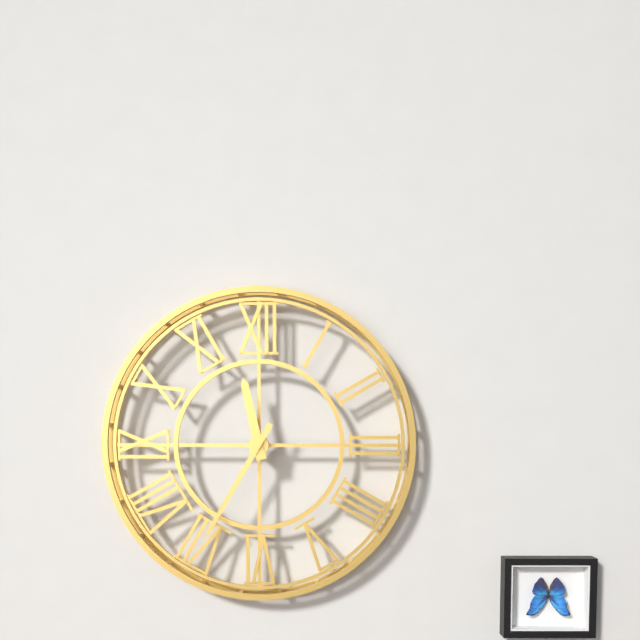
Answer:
11h35
